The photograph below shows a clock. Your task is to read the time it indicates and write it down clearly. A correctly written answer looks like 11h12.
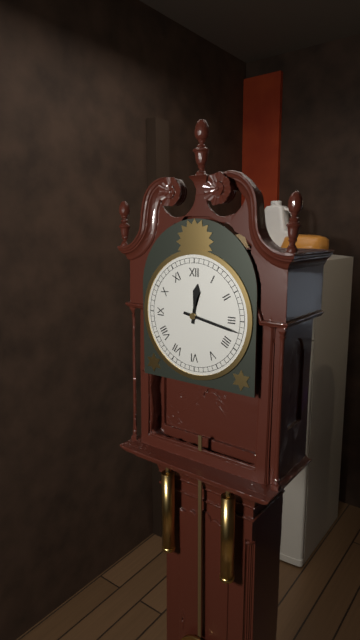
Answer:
12h17
